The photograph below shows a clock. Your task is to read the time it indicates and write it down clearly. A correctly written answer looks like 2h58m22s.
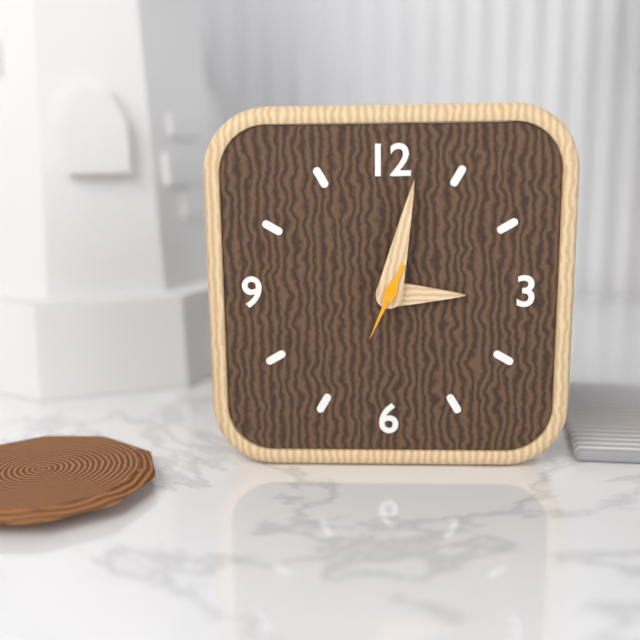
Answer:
3h02m34s
